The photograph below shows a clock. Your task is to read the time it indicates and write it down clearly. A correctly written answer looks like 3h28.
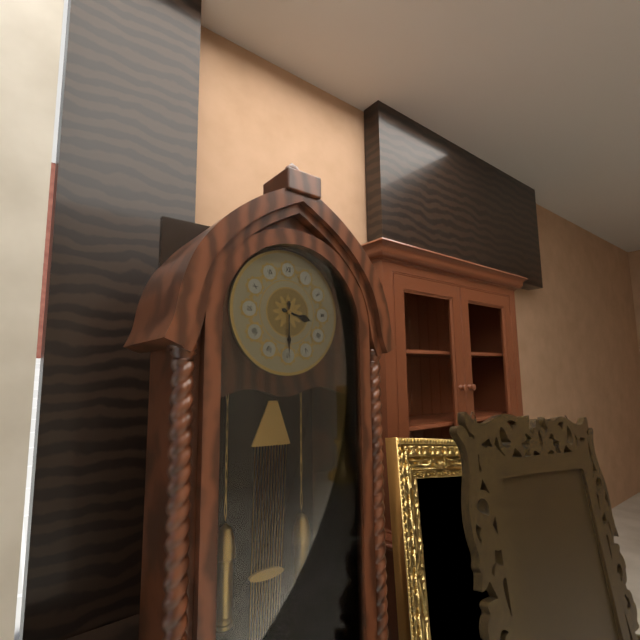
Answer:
3h30
